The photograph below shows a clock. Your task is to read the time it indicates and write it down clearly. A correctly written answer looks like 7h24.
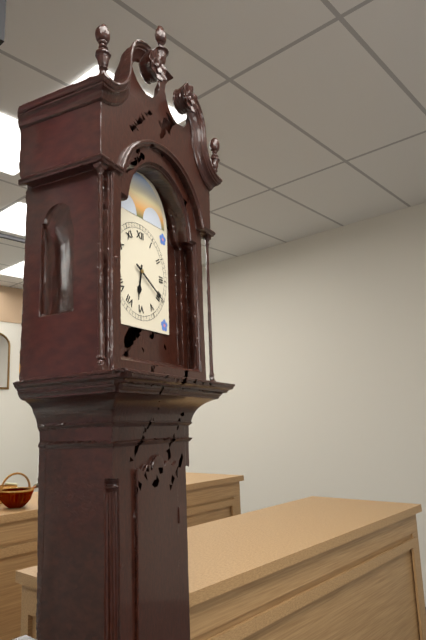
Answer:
6h20
